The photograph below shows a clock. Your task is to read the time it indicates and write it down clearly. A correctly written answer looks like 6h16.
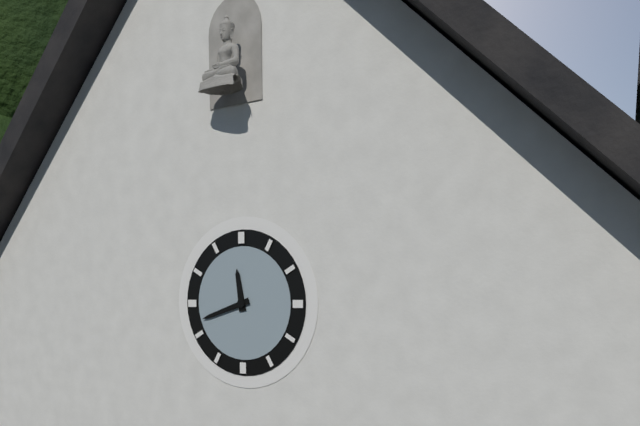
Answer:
11h42
